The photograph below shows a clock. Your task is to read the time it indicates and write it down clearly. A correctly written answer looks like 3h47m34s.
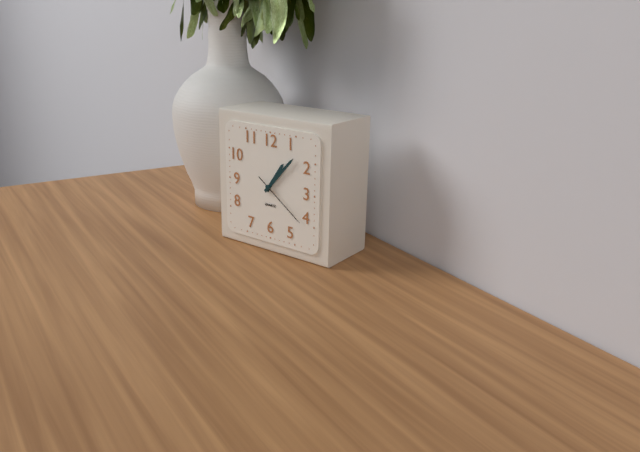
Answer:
1h07m21s
